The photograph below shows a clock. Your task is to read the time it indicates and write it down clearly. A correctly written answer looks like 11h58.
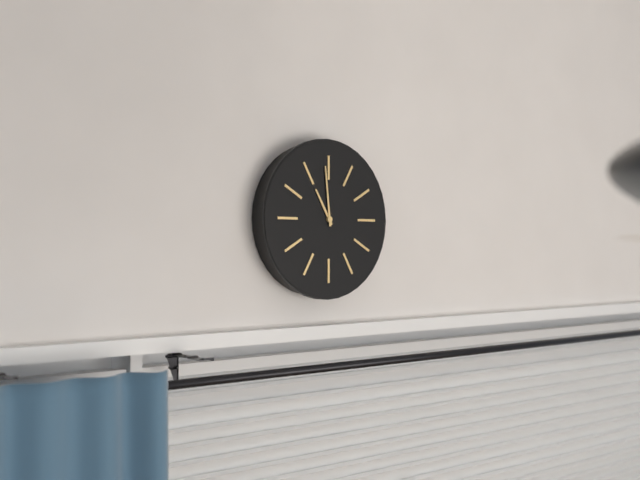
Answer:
10h59
